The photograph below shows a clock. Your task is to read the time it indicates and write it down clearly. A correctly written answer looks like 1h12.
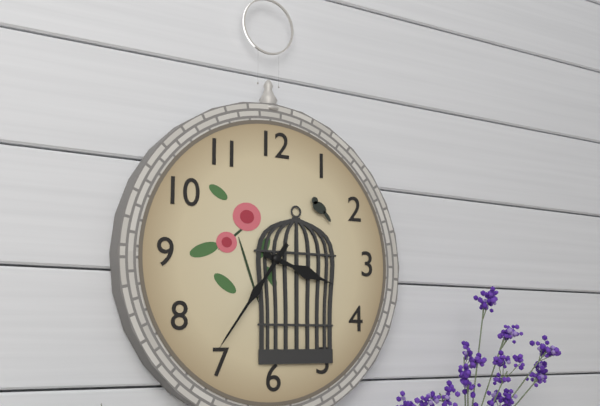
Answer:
3h36
